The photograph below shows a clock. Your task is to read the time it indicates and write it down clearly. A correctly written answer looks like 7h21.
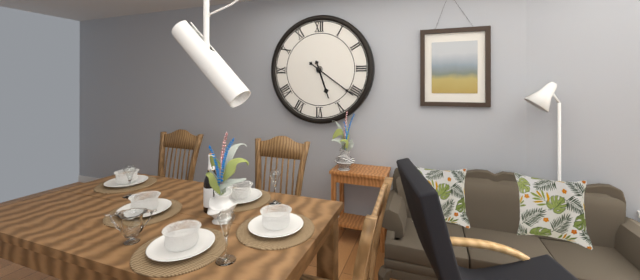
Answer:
5h21
